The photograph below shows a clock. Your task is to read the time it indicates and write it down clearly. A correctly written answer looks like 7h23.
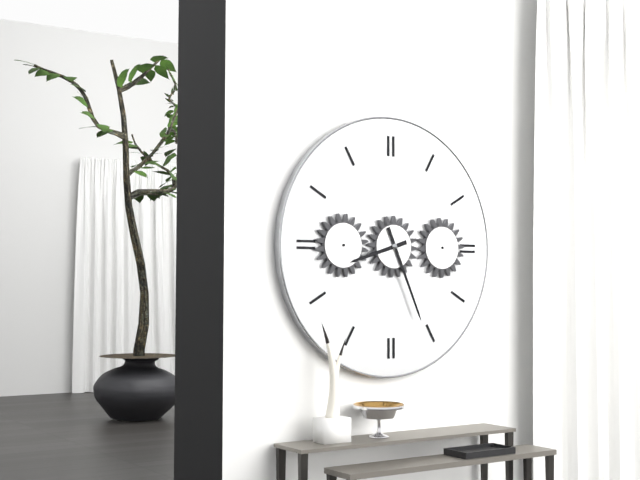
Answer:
8h26
